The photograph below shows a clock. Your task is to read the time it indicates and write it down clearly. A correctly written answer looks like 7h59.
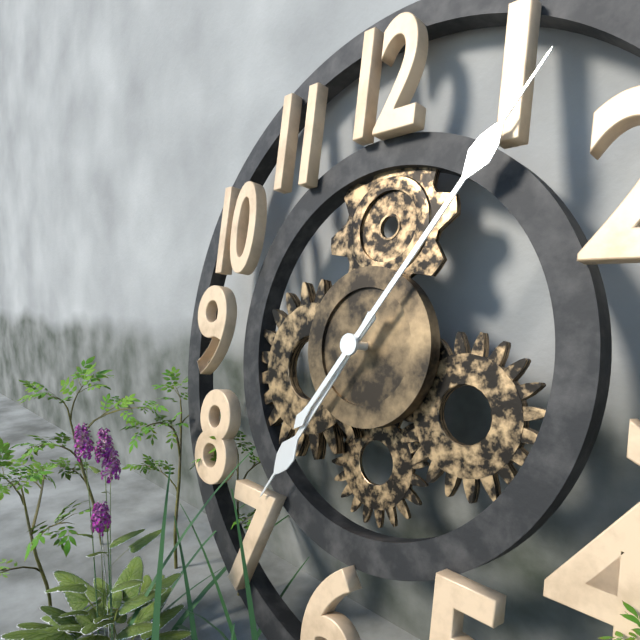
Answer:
7h06
